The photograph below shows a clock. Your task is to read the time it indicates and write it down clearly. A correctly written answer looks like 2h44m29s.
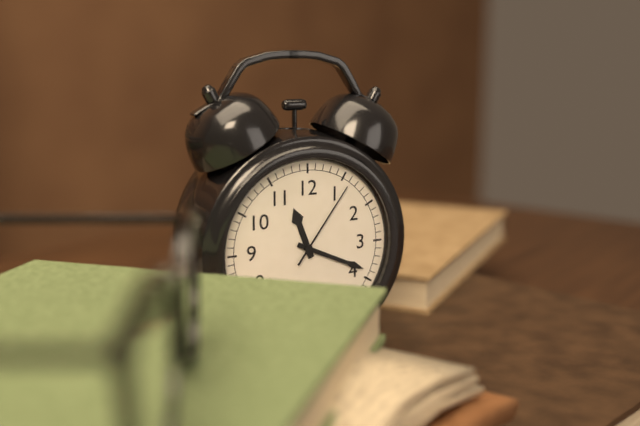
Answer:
11h19m06s
